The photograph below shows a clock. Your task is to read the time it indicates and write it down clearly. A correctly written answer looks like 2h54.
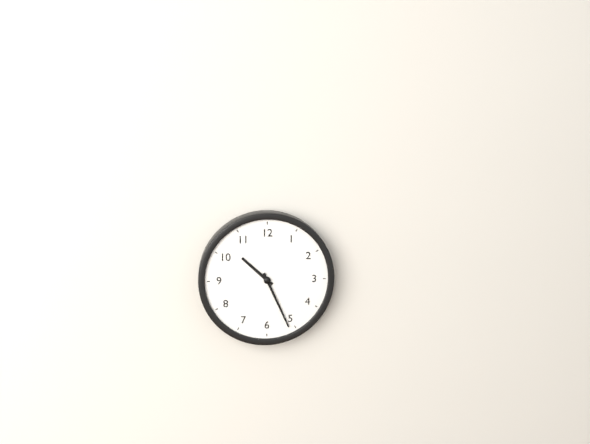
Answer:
10h26
